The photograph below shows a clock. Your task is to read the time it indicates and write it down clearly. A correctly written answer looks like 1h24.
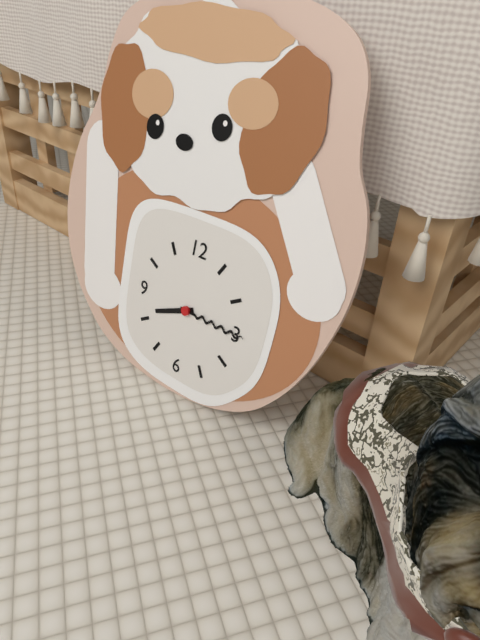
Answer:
8h15
